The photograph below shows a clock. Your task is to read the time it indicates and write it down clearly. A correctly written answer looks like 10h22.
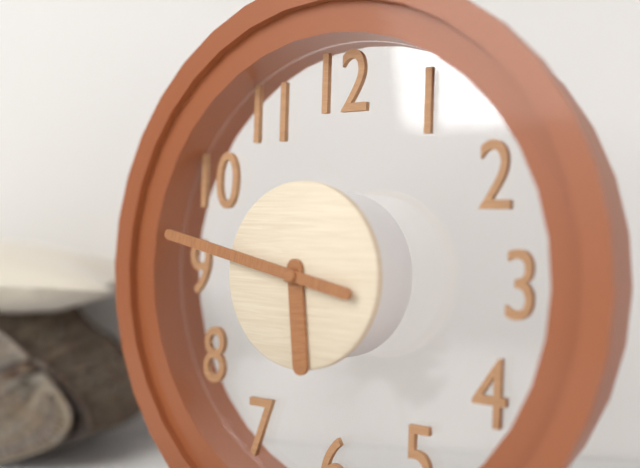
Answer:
5h47
